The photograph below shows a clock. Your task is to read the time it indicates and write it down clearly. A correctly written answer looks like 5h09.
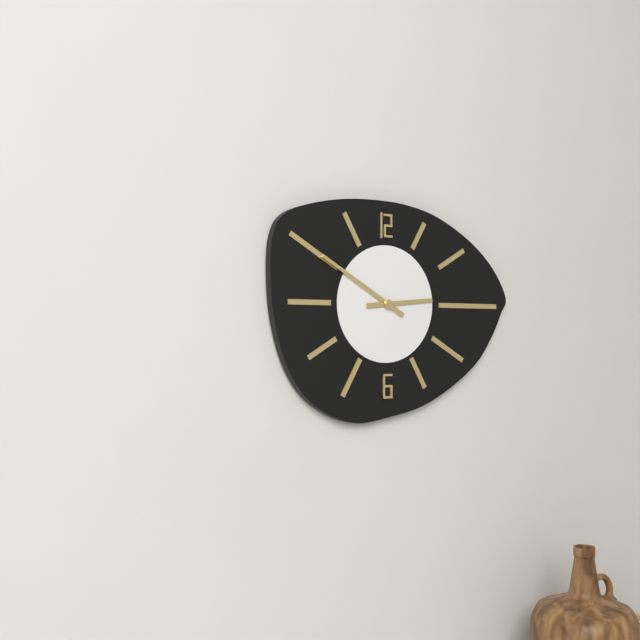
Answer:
2h50
